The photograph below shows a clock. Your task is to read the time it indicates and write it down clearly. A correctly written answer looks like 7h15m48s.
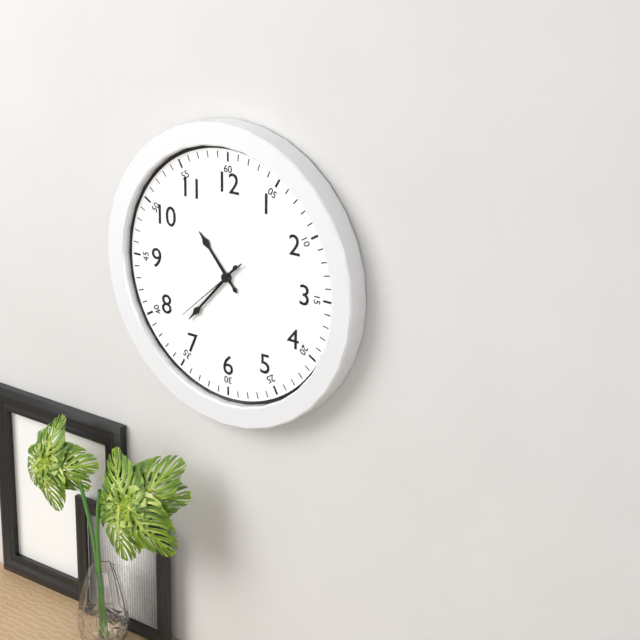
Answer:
10h37m38s
